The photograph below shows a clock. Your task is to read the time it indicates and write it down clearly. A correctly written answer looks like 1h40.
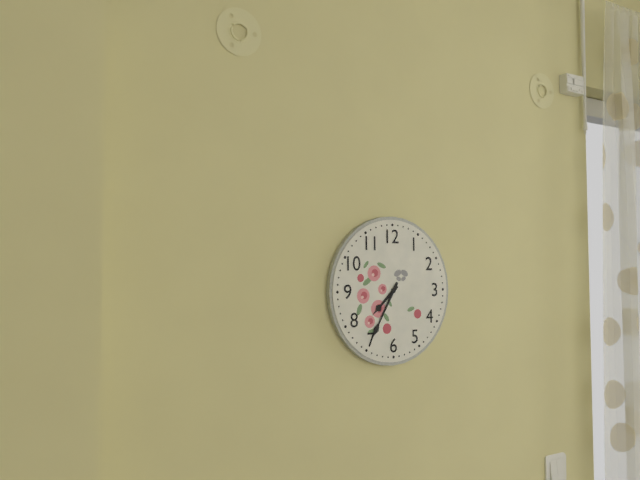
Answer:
7h35
